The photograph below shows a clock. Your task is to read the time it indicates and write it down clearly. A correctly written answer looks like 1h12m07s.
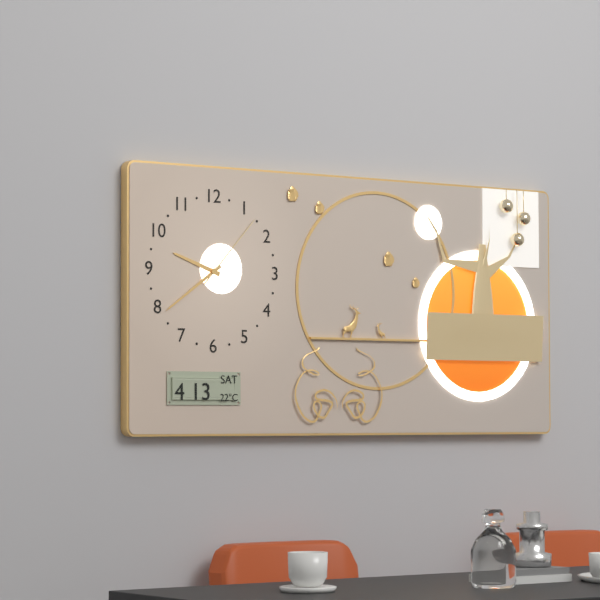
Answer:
9h39m07s
